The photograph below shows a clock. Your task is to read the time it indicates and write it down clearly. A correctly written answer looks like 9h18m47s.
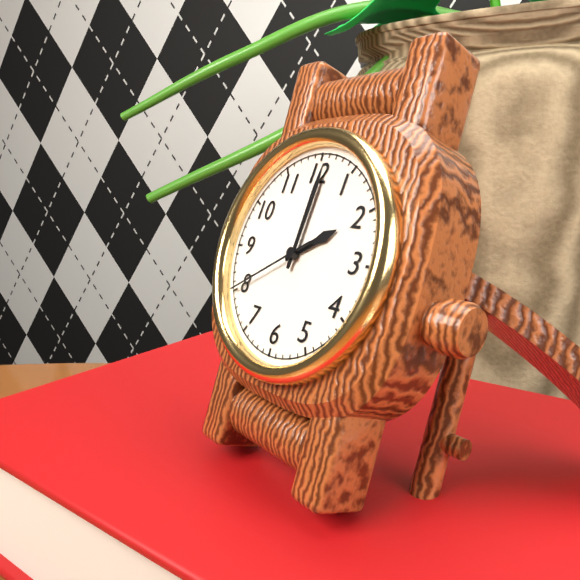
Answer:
2h01m40s
